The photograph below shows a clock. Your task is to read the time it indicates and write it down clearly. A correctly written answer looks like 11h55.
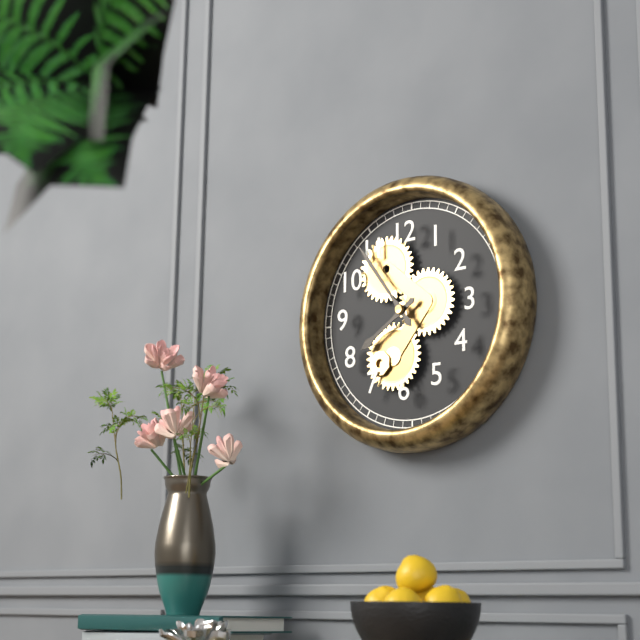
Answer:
7h54
